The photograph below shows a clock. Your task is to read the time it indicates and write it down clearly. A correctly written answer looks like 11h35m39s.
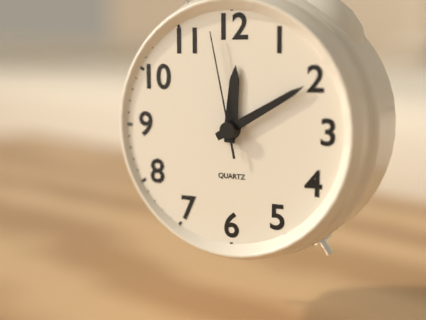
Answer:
12h10m58s
